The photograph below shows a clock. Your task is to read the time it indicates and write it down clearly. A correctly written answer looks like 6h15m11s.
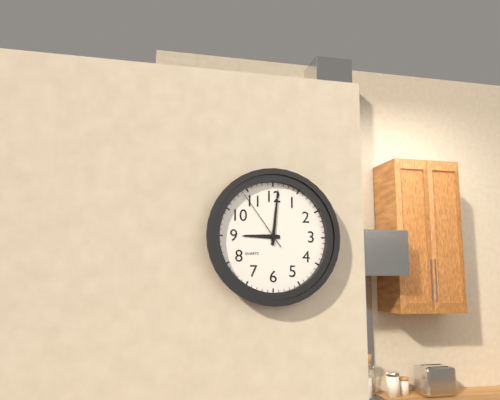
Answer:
9h01m54s
